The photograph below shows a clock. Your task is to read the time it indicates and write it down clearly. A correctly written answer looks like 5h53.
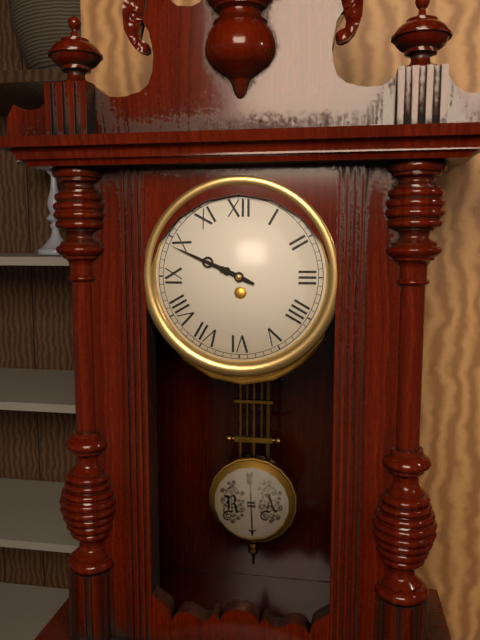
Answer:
9h49
